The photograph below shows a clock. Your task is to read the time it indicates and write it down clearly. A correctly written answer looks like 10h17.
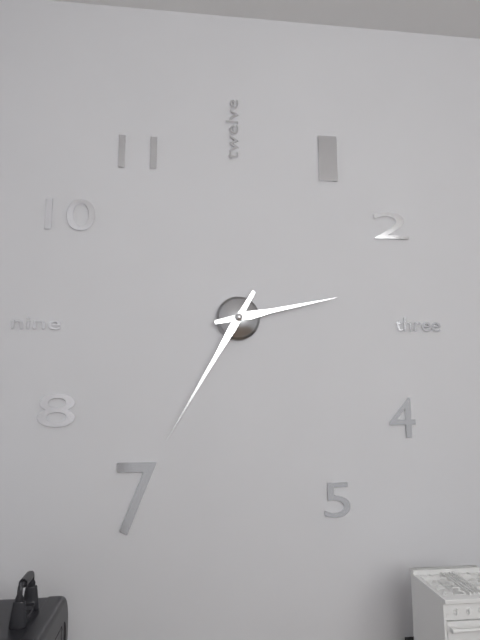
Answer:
2h35
